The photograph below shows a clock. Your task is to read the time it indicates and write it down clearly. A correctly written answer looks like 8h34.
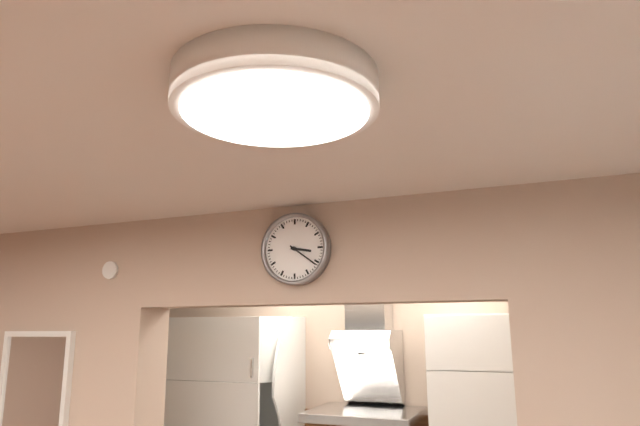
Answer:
3h21
